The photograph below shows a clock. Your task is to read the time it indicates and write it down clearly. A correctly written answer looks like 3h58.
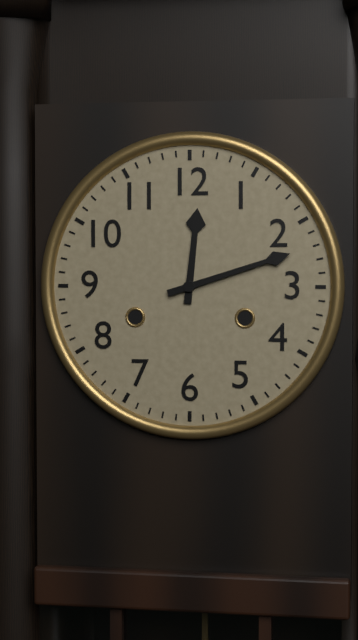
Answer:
12h12
